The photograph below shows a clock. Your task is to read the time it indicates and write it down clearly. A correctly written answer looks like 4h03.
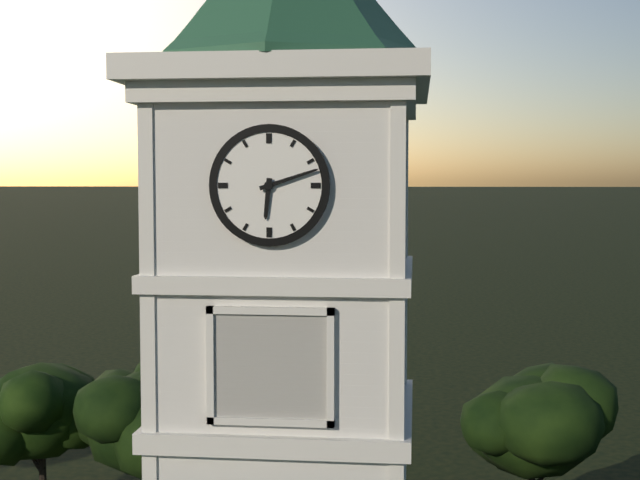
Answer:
6h12
